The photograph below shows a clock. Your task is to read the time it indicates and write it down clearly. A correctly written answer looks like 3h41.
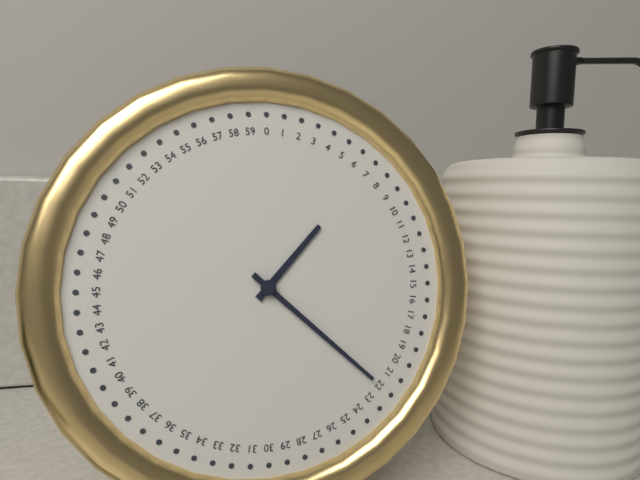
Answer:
1h22
